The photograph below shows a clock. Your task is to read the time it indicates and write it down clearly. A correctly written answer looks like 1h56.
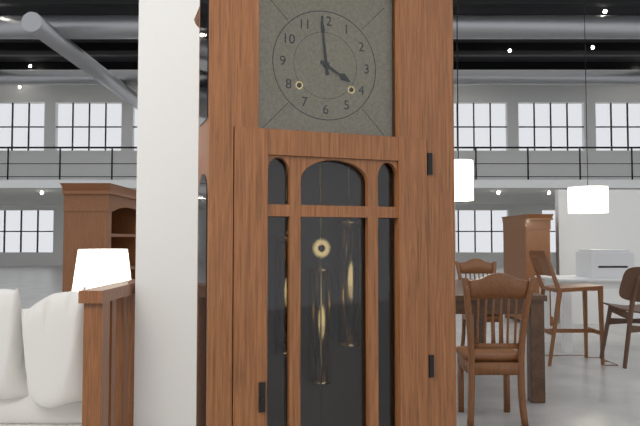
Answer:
3h59
